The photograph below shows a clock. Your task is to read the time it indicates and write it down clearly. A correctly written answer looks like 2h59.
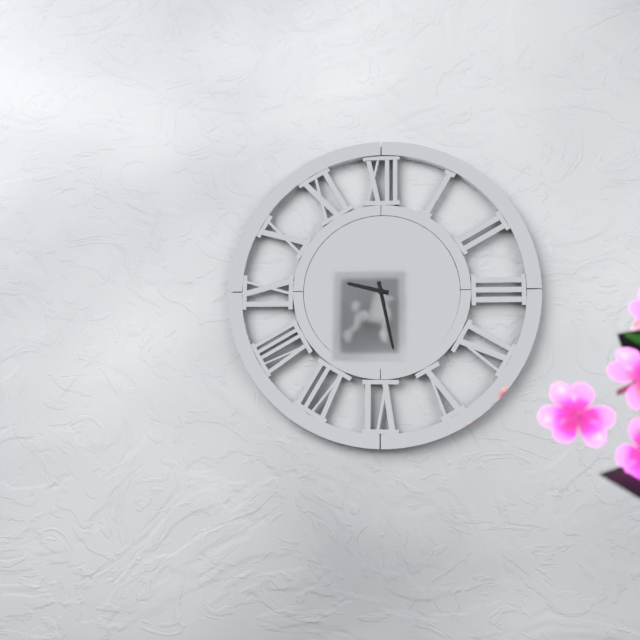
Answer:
9h28
